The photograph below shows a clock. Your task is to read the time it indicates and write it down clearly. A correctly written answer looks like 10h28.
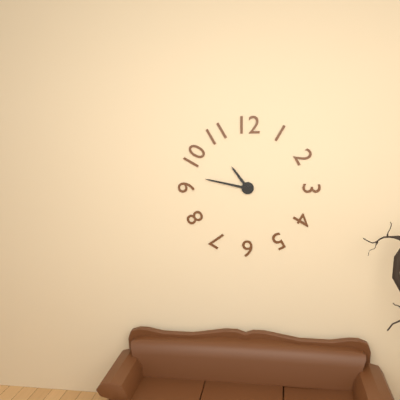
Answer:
10h47
